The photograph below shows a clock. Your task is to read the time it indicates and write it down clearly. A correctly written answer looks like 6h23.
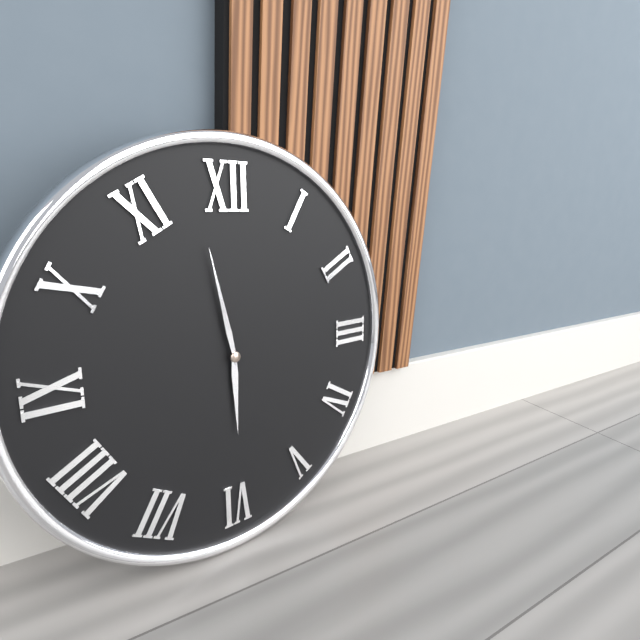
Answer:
5h58
